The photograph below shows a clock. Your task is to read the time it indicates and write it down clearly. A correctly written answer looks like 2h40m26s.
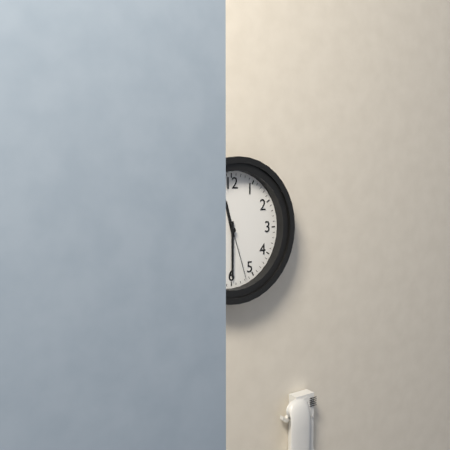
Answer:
11h30m27s
